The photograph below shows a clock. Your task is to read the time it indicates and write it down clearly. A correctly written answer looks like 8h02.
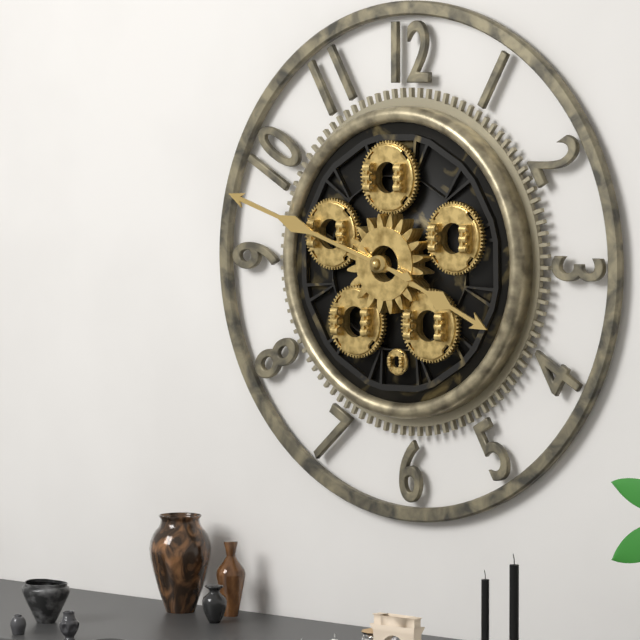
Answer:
3h48
